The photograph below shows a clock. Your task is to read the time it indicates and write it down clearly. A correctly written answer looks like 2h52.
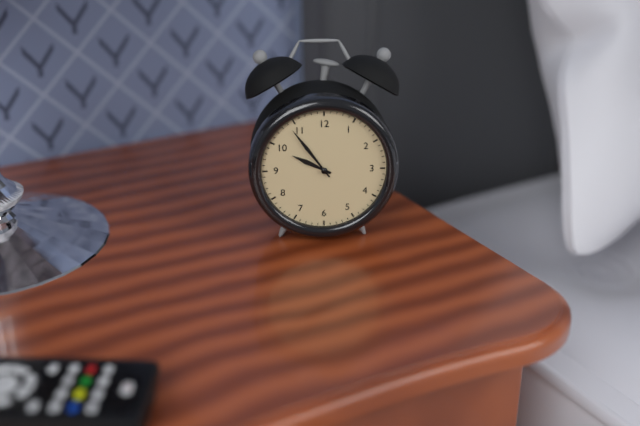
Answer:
9h54
